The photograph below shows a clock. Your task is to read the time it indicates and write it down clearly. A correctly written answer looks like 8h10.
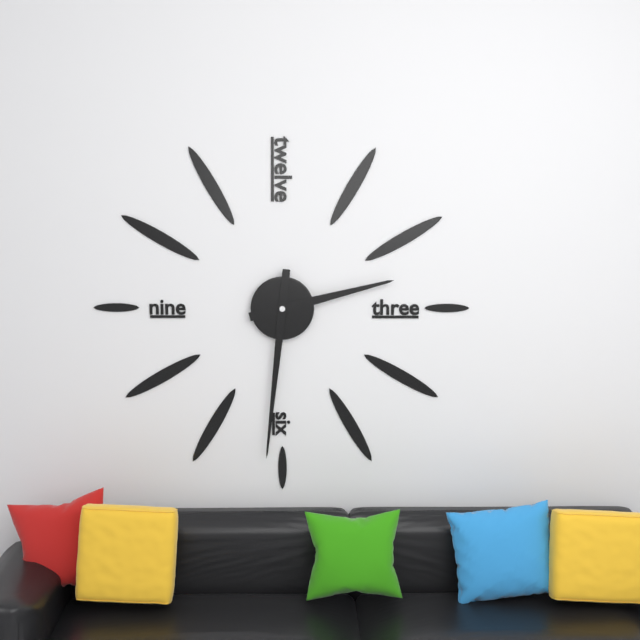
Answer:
2h31
